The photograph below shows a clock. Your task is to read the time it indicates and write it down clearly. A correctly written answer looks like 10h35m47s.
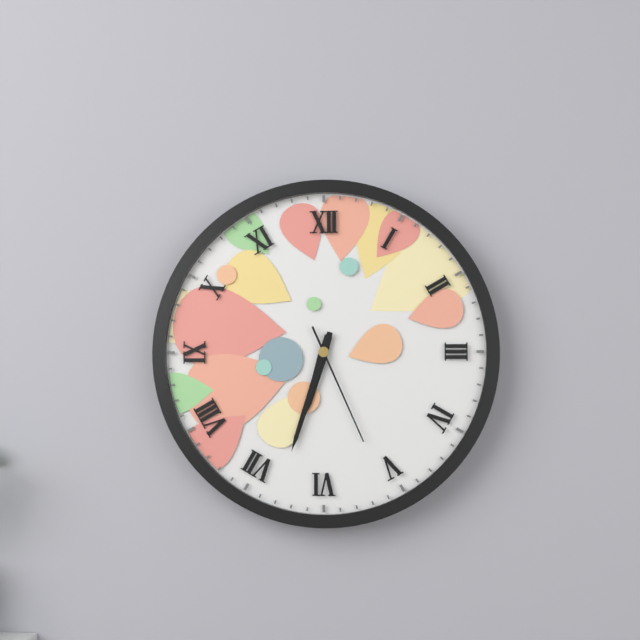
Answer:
6h33m26s
